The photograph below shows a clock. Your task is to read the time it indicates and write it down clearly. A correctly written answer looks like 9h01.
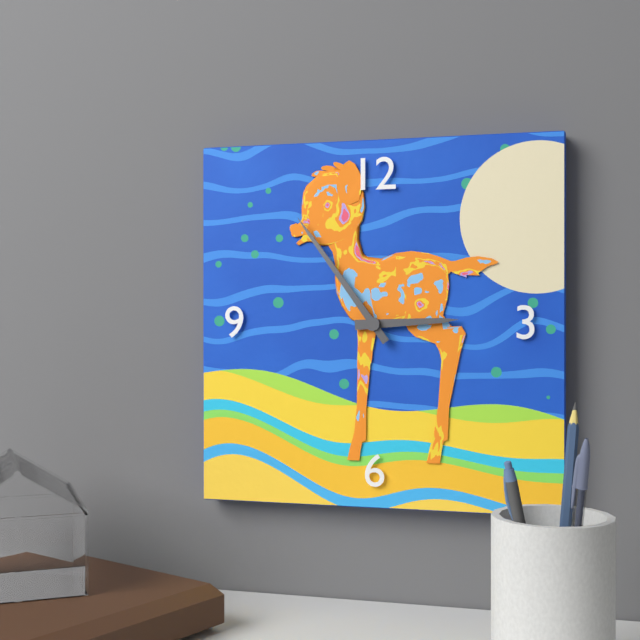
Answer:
2h54
